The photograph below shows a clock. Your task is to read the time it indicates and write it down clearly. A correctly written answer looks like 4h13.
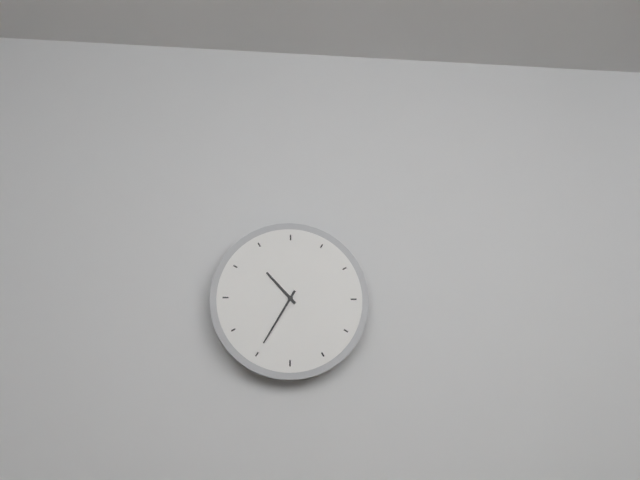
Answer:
10h35
